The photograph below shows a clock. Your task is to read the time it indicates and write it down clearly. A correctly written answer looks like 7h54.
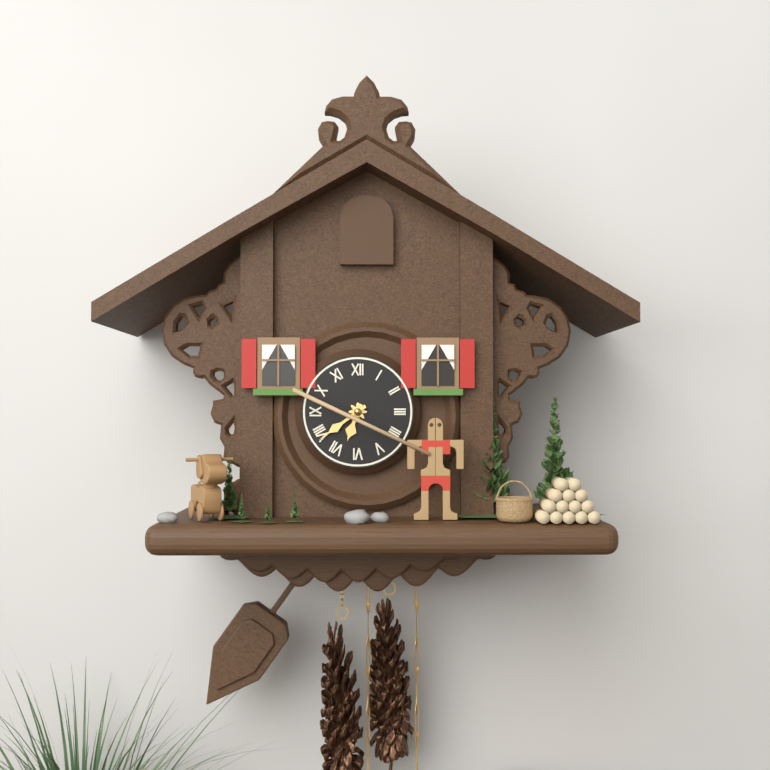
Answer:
6h39
